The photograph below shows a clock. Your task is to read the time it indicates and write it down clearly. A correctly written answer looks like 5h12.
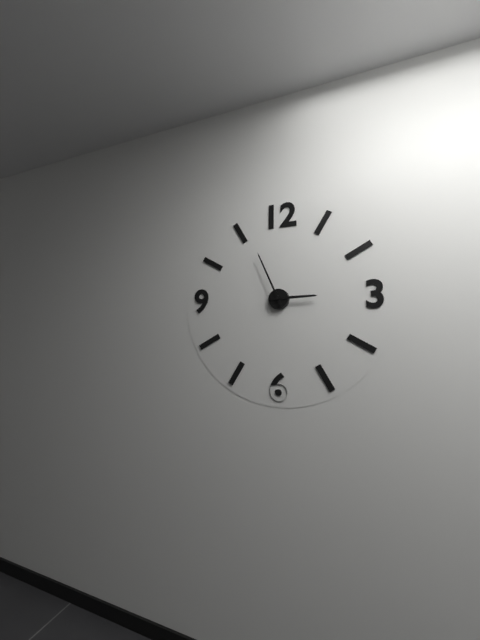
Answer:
2h56
